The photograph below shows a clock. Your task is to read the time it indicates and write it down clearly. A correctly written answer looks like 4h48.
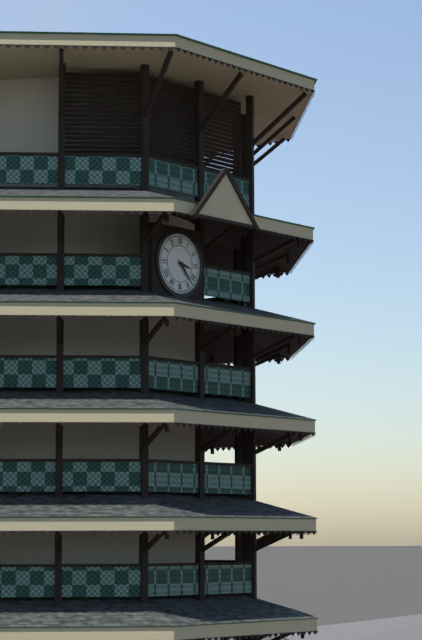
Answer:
3h23
